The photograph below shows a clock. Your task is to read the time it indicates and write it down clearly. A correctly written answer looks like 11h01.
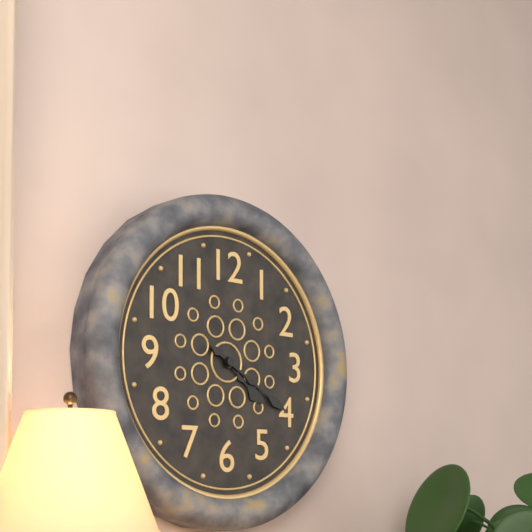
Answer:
4h20
